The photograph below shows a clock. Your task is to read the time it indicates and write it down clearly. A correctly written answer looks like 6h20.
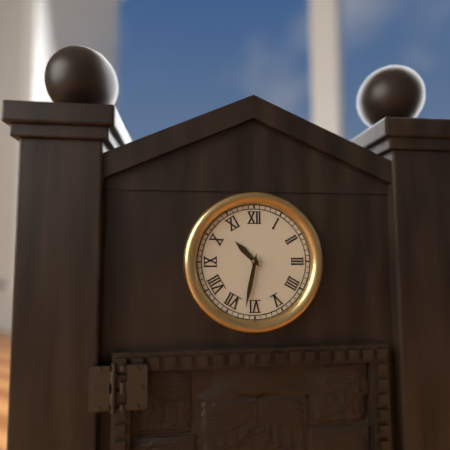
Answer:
10h32
